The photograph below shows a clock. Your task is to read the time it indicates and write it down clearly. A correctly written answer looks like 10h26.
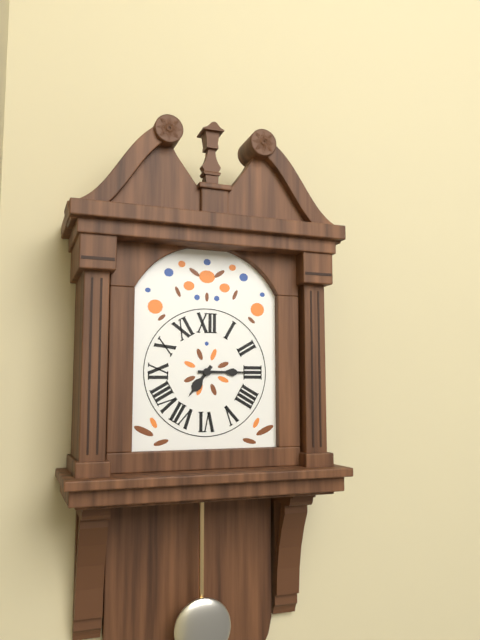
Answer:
7h15
